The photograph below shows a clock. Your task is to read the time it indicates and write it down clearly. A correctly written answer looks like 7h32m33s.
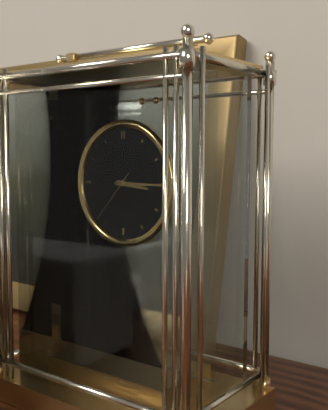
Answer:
3h15m37s
